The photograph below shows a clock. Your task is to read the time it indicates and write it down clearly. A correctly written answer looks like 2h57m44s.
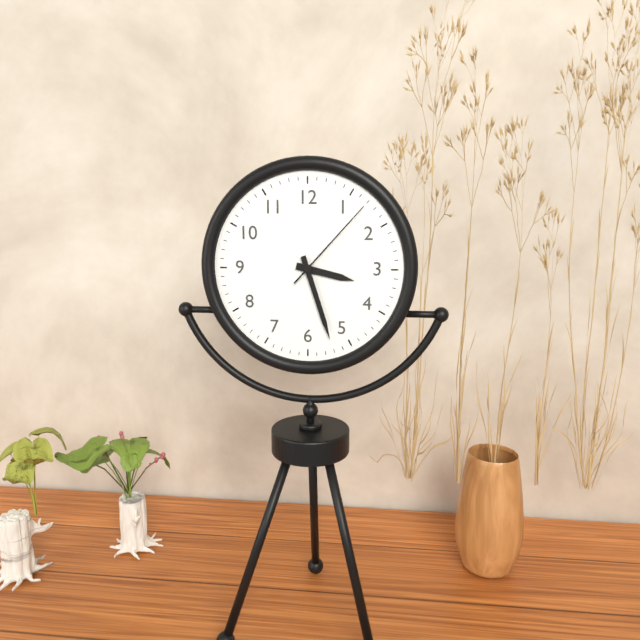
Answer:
3h27m07s
